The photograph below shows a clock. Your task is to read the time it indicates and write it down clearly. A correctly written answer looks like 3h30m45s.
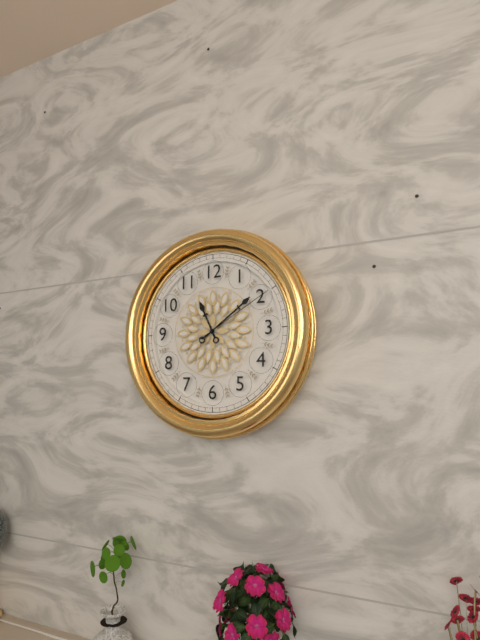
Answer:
11h09m10s
